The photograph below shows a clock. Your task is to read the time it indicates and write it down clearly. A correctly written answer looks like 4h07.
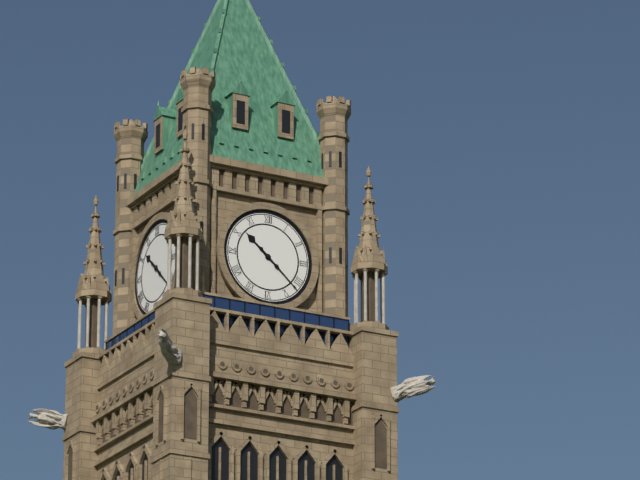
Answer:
10h22
